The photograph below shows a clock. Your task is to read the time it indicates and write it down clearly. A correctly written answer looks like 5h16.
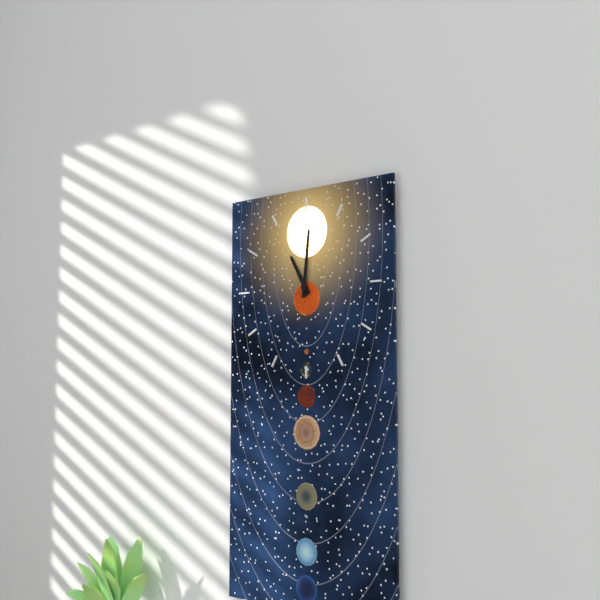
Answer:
11h01
